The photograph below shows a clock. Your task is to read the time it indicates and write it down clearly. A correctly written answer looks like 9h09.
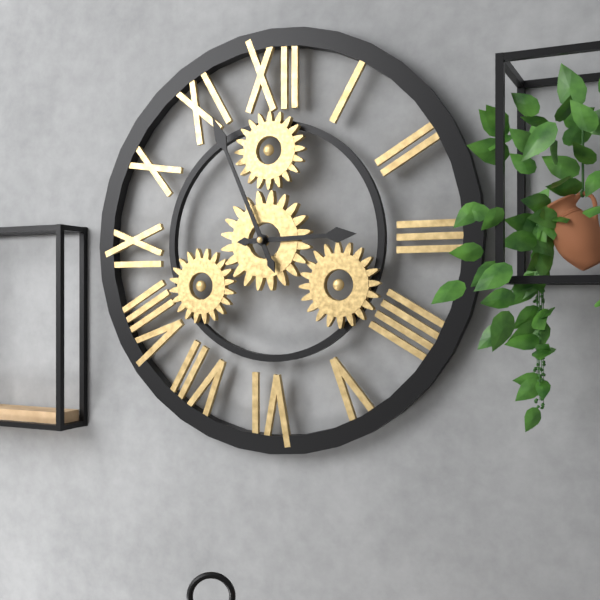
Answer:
2h56
